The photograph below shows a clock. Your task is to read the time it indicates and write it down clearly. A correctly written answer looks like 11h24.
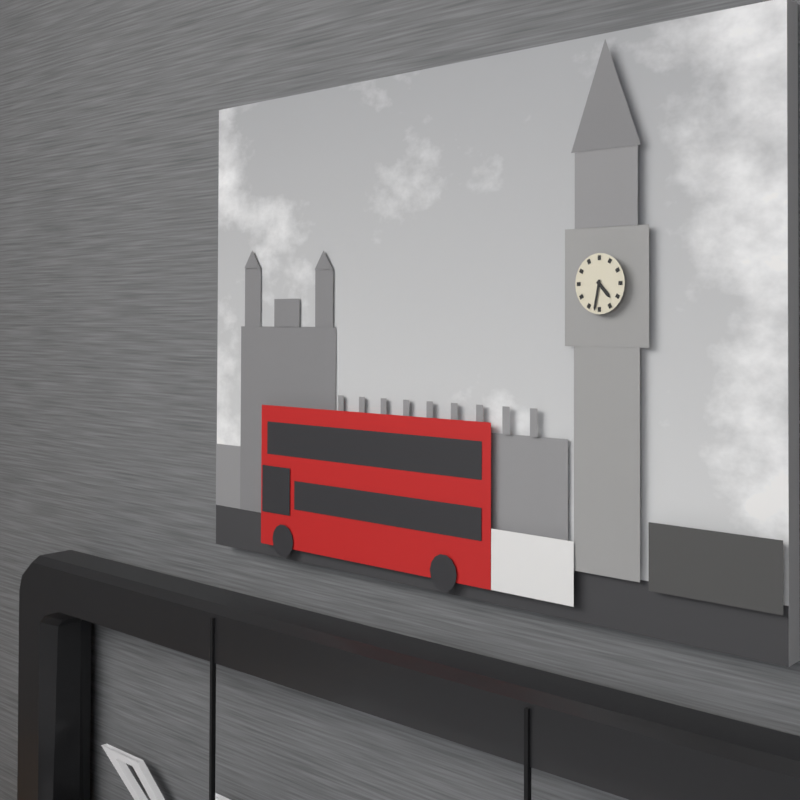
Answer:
4h32
